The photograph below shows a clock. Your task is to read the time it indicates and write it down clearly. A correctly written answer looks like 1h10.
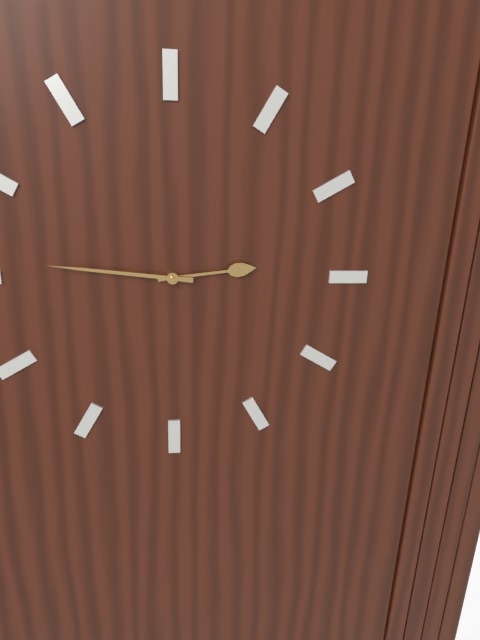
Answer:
2h46
